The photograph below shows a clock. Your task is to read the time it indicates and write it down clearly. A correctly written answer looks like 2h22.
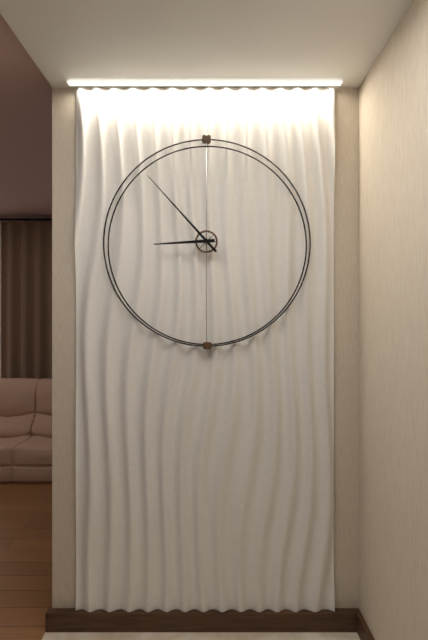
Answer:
8h53
